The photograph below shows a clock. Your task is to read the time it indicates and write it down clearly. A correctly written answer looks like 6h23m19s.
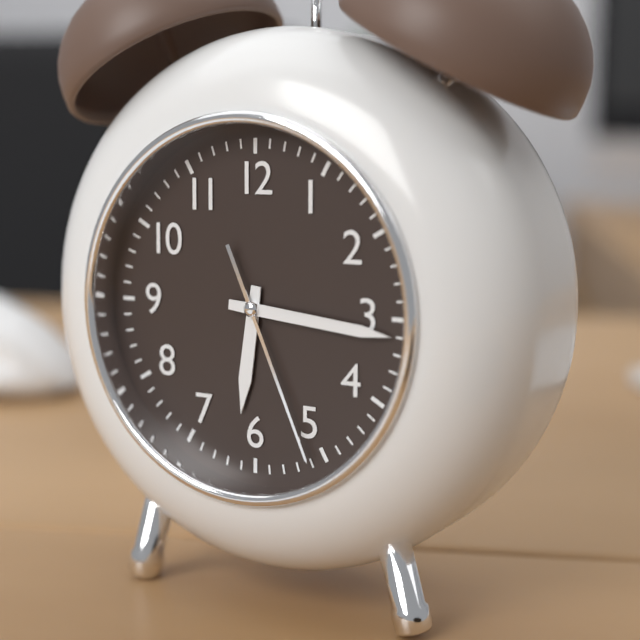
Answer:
6h16m26s
